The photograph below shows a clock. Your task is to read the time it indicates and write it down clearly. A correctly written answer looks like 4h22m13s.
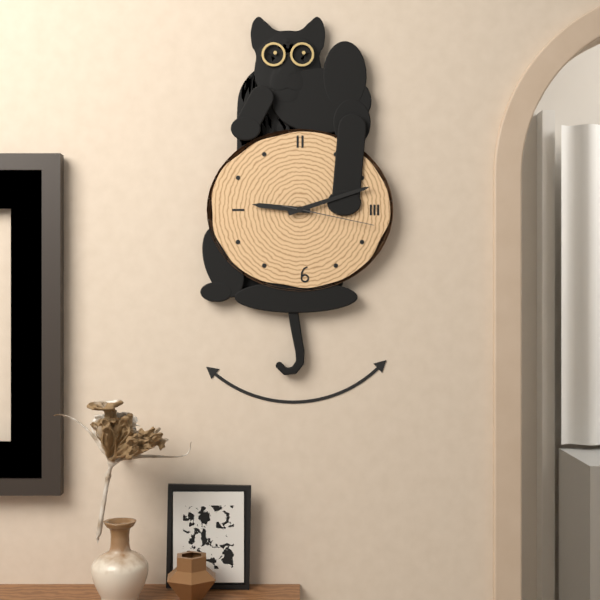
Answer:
9h12m17s
